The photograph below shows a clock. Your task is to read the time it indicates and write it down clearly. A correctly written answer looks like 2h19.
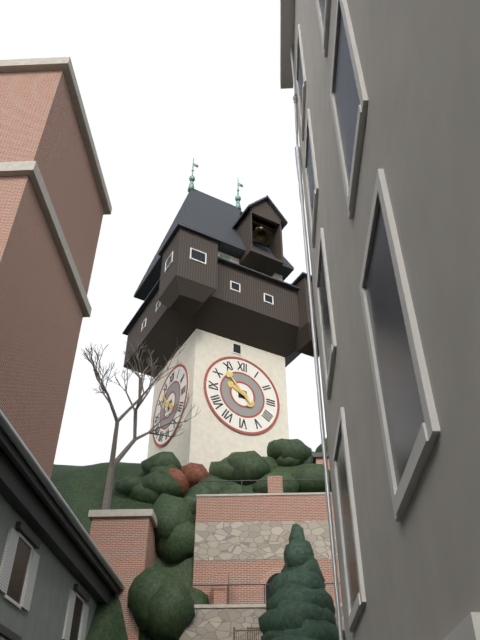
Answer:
9h53
